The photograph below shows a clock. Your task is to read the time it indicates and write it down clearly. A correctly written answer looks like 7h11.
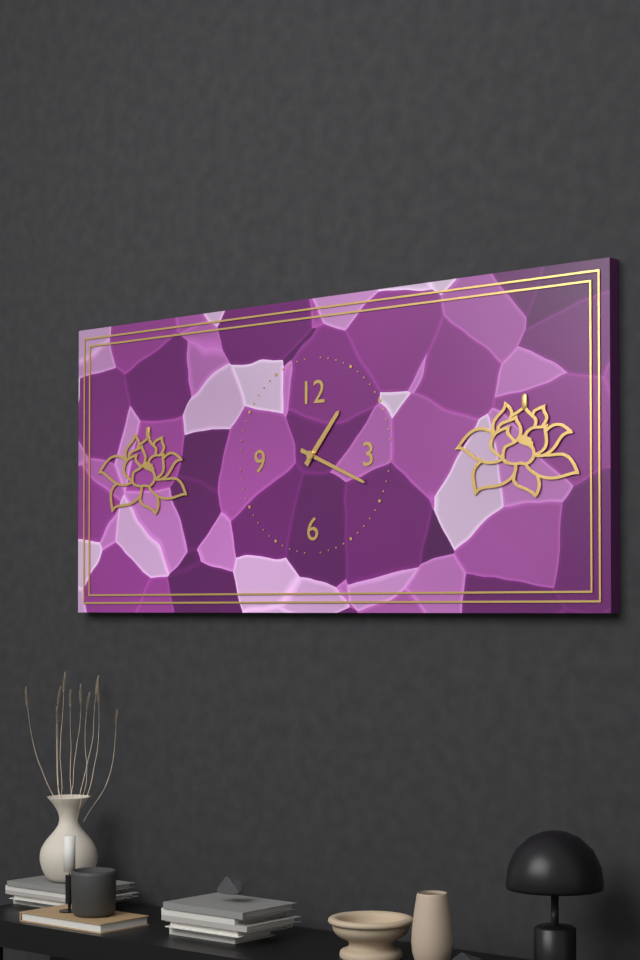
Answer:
1h19
